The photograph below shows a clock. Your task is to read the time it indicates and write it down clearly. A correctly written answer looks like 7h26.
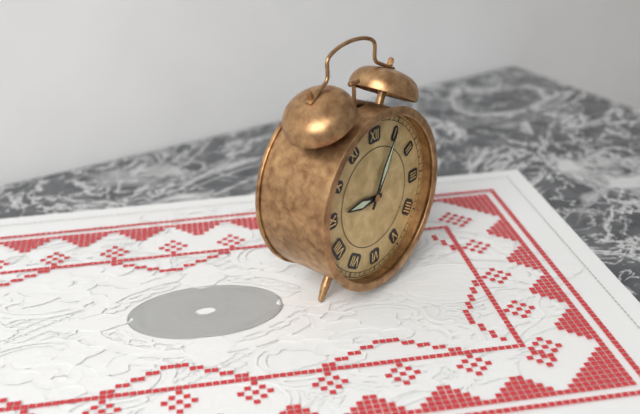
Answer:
9h05
